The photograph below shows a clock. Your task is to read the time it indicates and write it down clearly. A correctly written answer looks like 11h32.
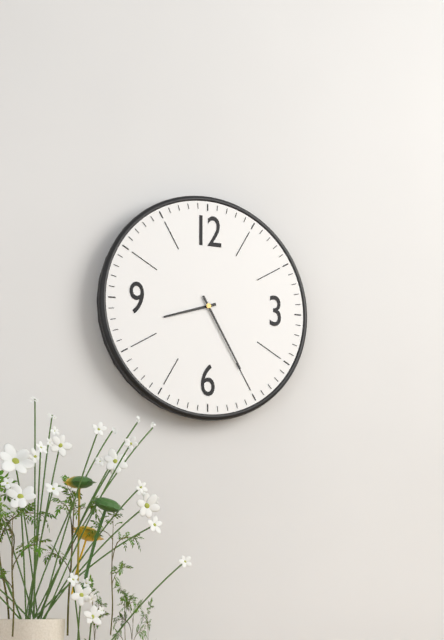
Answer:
8h25
